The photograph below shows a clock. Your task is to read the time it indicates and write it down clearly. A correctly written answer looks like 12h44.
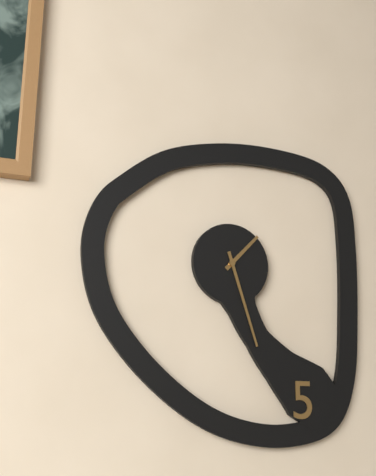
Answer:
1h27
